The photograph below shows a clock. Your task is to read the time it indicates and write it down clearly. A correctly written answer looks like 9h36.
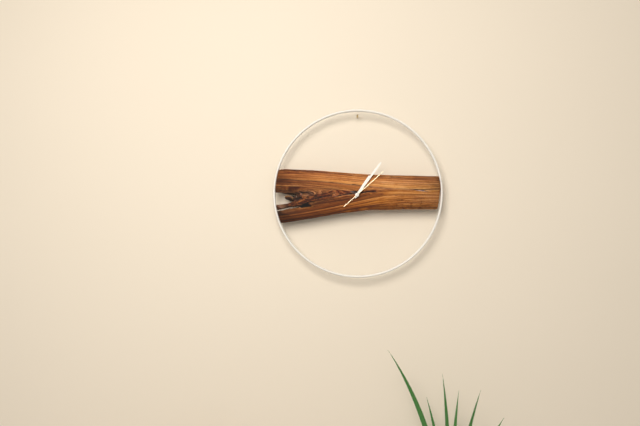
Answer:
1h06
